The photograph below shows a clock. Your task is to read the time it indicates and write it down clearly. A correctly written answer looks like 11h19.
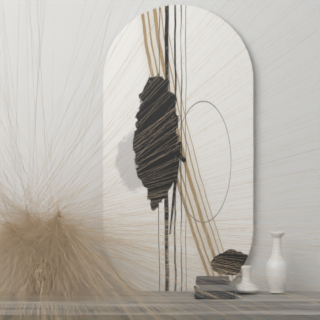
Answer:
10h31
